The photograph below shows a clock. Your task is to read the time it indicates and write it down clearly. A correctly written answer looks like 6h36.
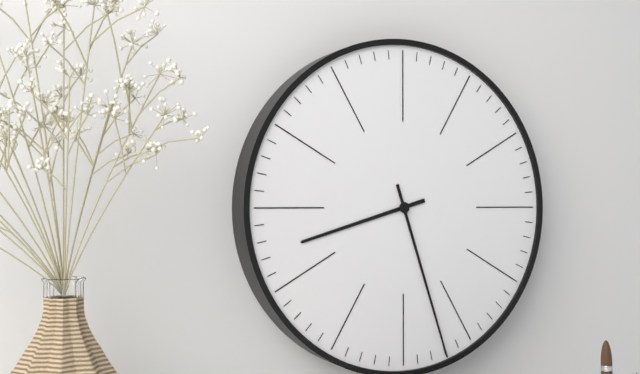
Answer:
8h27
